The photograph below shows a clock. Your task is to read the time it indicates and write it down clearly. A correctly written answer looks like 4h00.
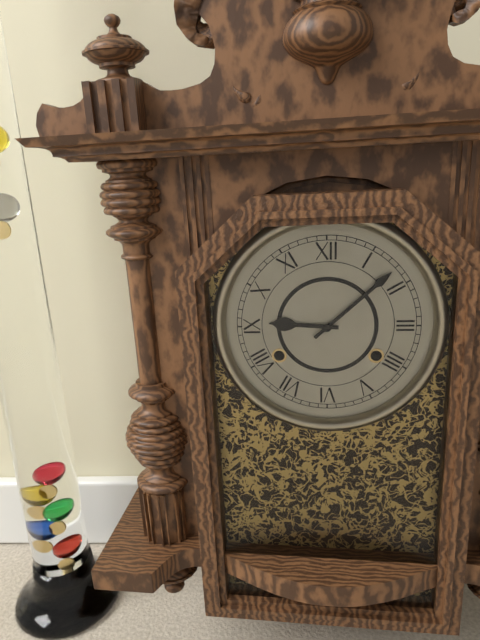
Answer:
9h08
